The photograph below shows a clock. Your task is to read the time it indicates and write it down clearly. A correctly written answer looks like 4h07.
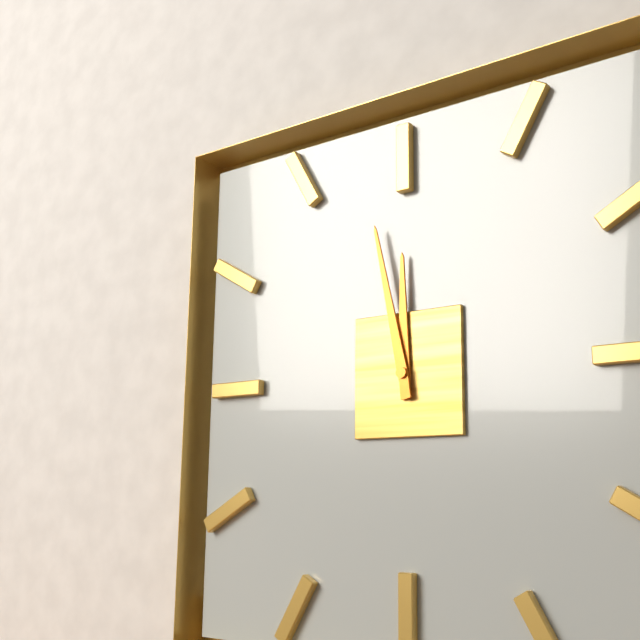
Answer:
11h58
